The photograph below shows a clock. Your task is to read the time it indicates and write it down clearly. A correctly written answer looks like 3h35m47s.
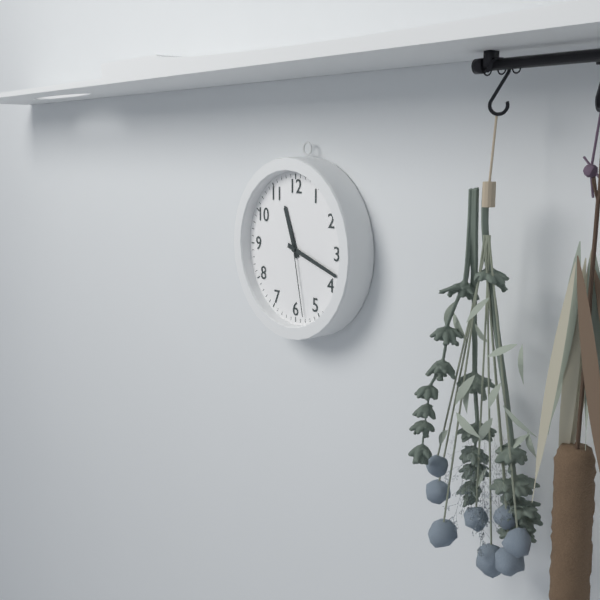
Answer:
11h18m28s
